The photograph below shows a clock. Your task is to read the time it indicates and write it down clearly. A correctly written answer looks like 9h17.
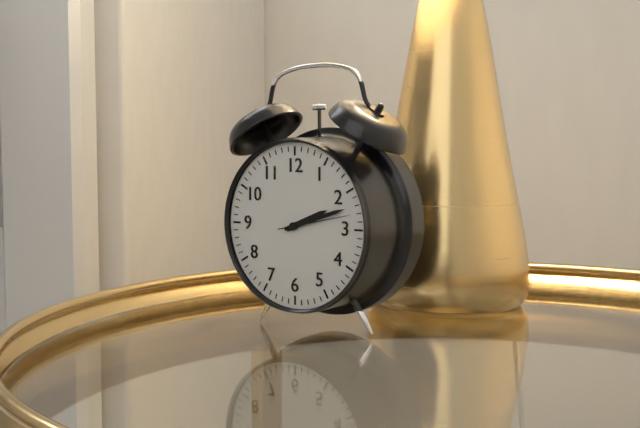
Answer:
2h12
